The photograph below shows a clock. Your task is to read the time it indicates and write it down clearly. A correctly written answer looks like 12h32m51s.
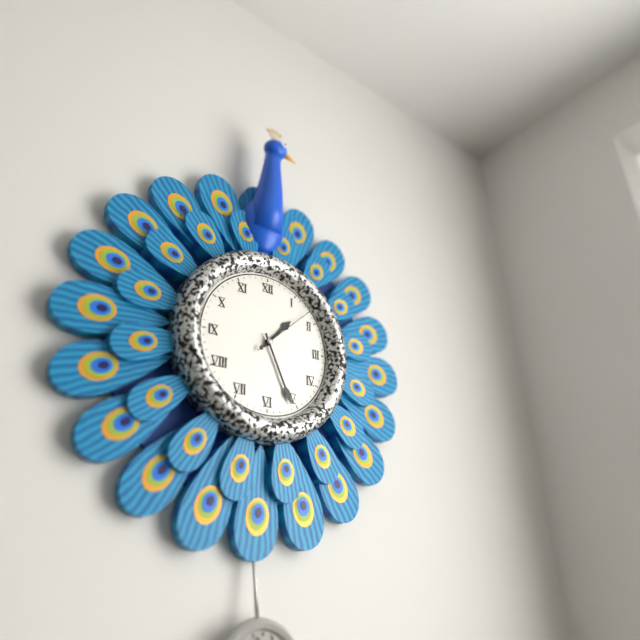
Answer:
1h26m08s
